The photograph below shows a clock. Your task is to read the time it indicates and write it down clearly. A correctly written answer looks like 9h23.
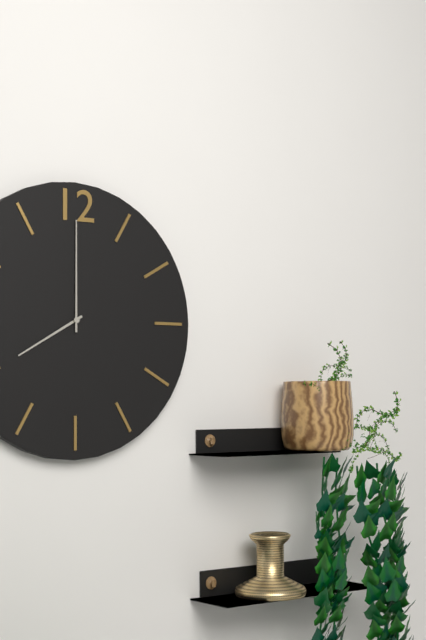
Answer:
8h00
